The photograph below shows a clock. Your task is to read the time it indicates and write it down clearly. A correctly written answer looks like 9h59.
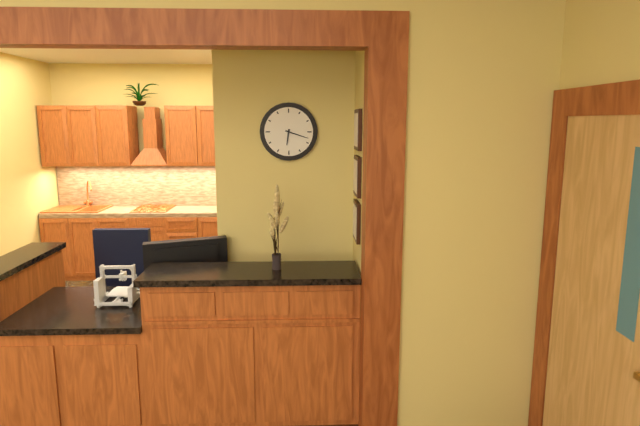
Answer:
6h18
